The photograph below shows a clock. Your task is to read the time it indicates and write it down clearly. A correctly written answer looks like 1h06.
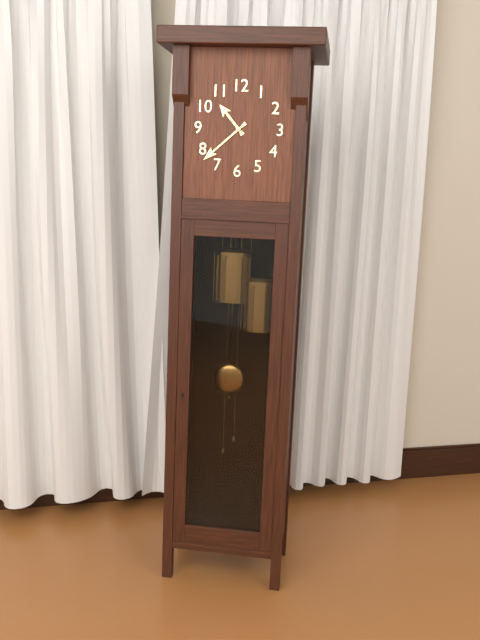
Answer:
10h38
